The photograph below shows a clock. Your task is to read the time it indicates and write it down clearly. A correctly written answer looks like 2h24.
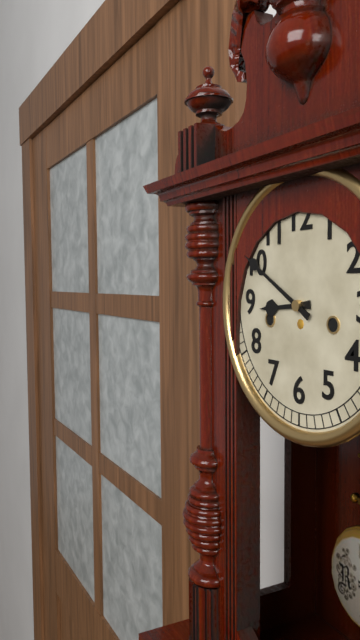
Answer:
8h50
